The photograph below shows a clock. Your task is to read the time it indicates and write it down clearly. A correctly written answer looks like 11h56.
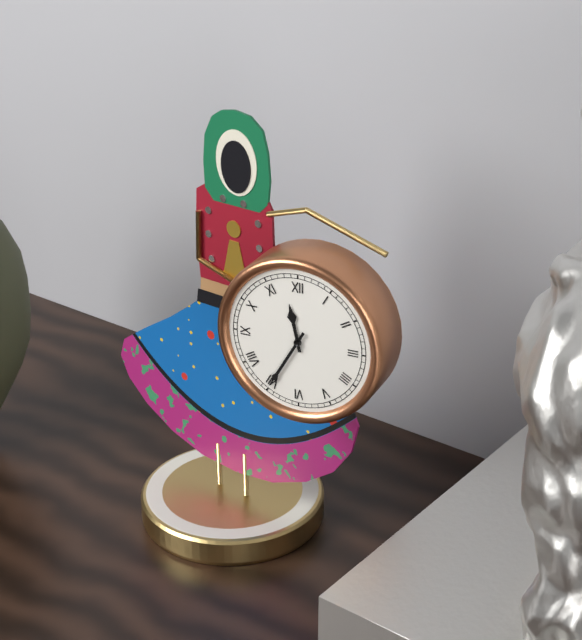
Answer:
11h35
